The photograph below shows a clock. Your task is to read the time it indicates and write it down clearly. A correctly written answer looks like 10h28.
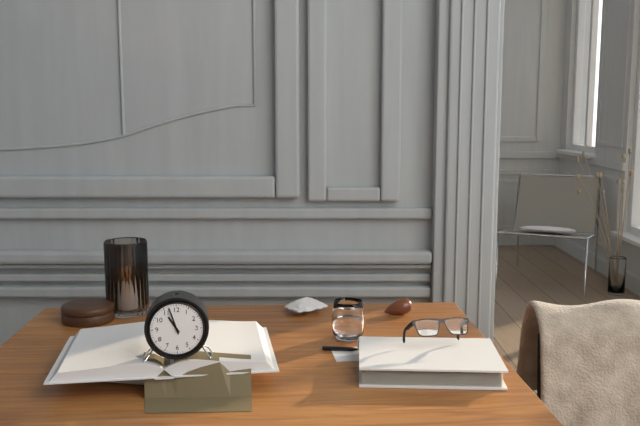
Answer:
10h57
